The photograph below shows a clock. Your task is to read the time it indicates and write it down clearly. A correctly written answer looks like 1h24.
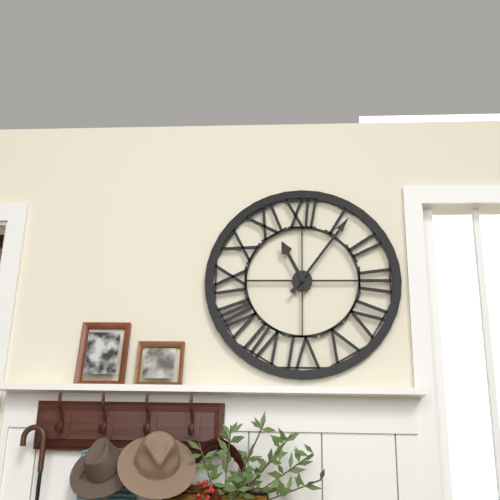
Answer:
11h06
